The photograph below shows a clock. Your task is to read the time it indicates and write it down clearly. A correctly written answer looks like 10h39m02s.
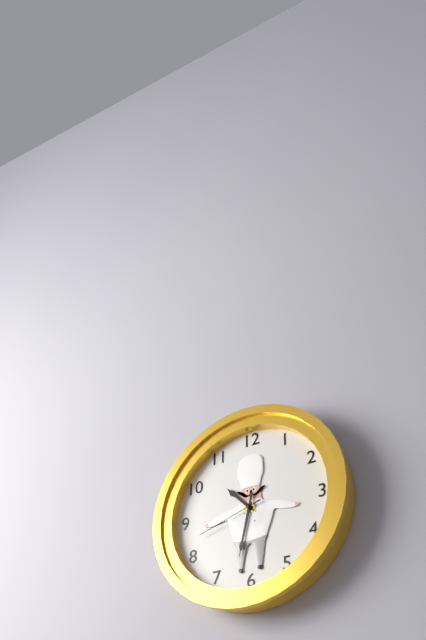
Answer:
10h32m42s
